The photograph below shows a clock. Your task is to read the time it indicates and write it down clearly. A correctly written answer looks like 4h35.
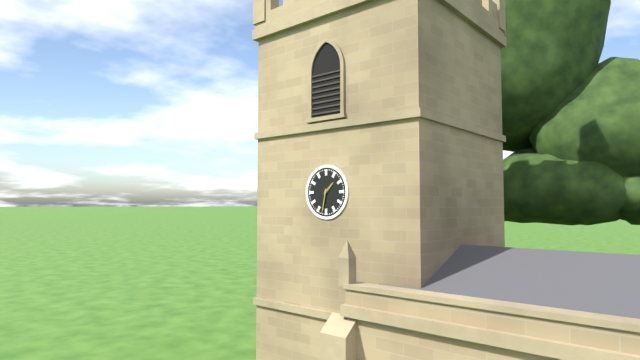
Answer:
1h32
